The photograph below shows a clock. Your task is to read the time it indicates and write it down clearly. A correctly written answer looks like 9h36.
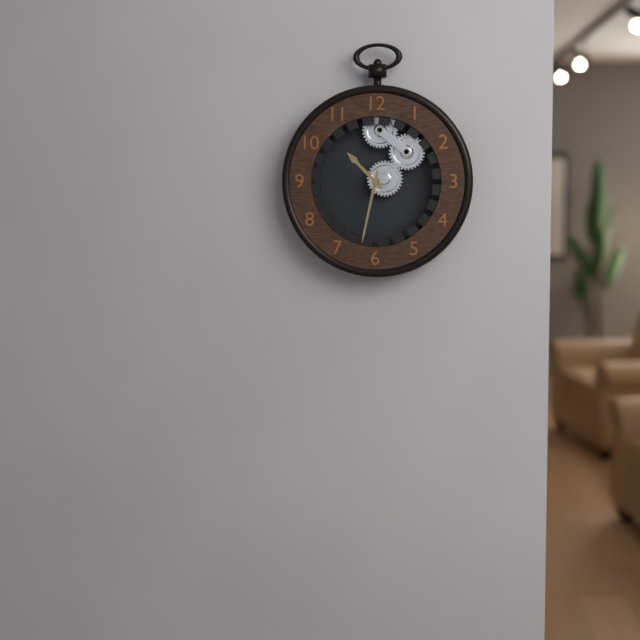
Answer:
10h32
